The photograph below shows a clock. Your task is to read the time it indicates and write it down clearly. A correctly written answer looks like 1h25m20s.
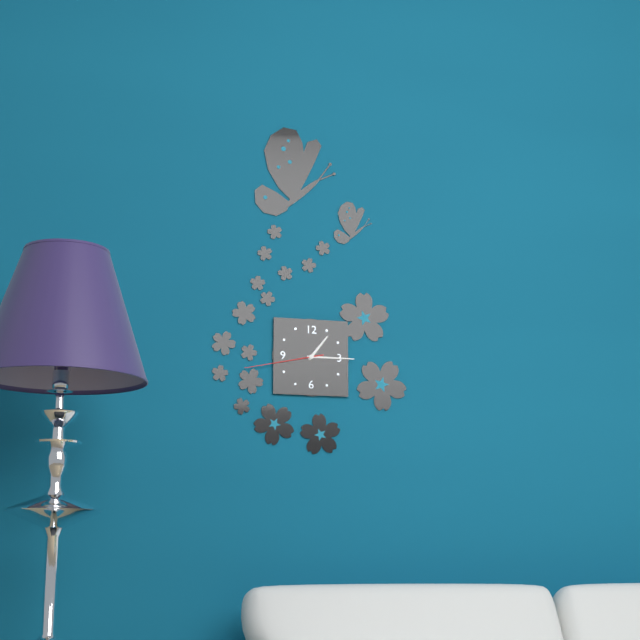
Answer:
1h15m43s
